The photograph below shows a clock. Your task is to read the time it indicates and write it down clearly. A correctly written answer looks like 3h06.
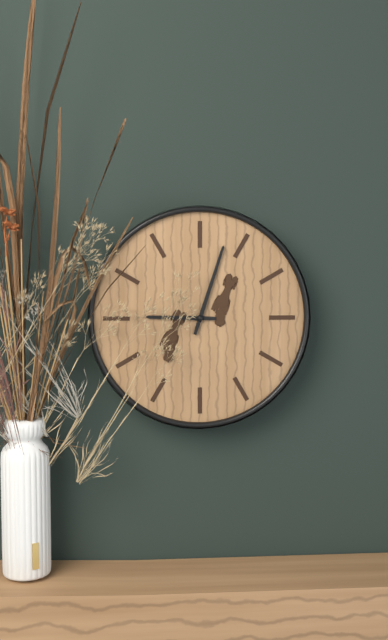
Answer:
9h03
